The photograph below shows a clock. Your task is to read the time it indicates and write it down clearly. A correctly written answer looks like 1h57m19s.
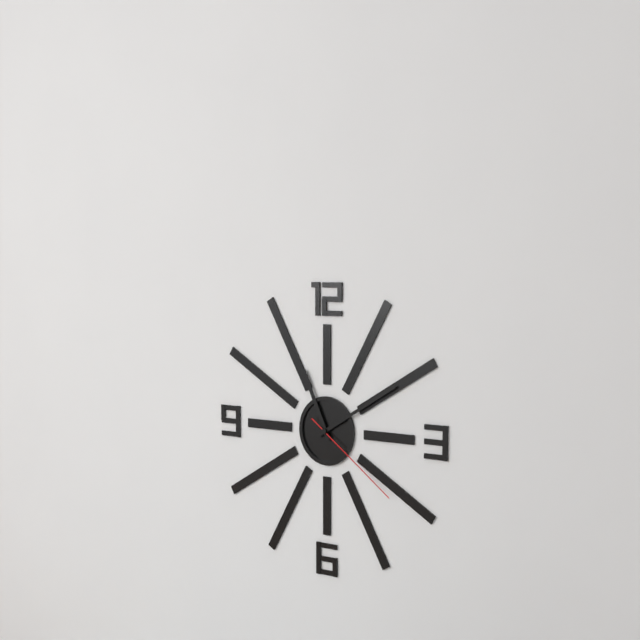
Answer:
11h10m21s
